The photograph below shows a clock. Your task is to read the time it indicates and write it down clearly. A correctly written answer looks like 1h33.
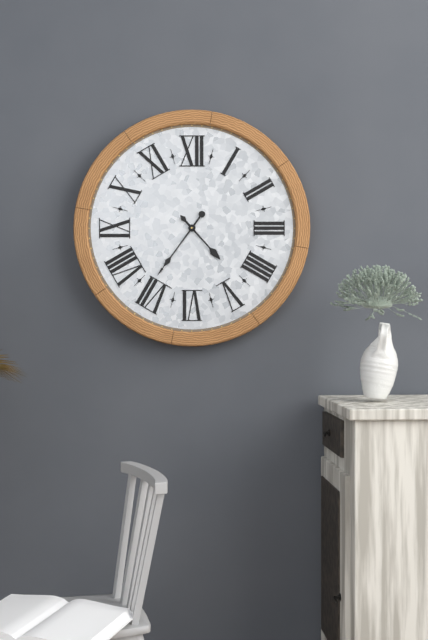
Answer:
4h36
